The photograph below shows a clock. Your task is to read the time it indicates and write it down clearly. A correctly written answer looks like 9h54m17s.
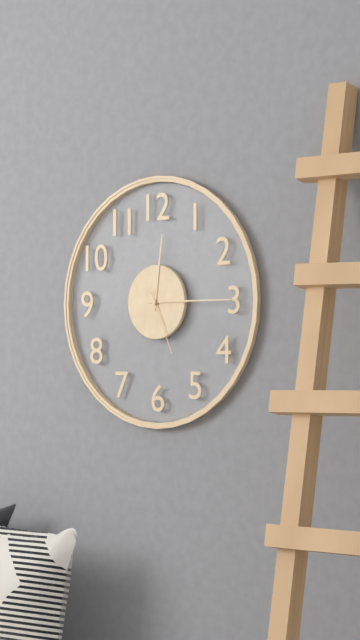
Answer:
12h15m26s
